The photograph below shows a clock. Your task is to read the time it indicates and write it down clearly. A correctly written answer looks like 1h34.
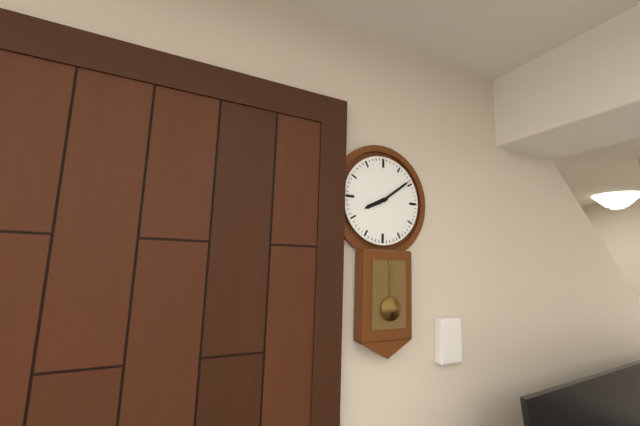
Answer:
8h09
